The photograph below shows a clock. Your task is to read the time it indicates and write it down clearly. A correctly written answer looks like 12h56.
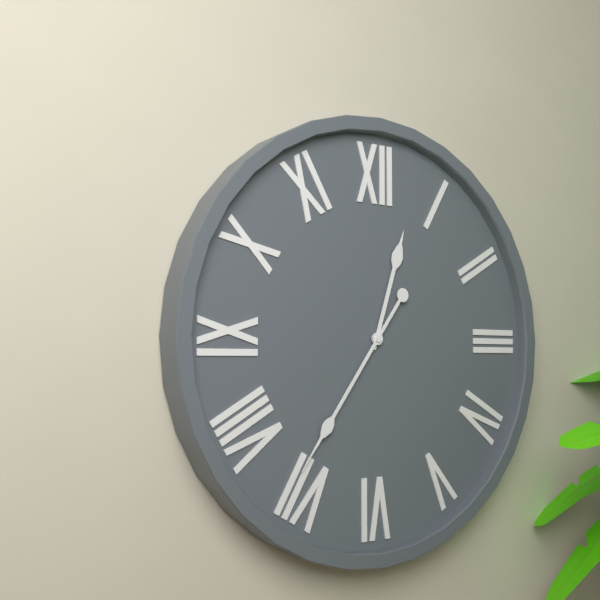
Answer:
12h36
